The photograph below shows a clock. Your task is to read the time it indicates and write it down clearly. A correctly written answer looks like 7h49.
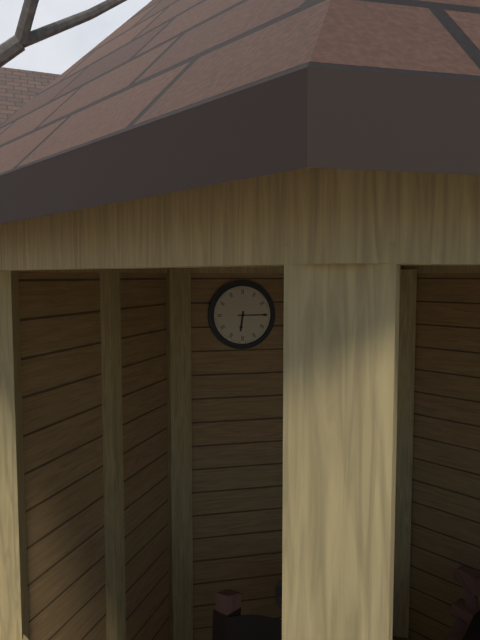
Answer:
6h15
